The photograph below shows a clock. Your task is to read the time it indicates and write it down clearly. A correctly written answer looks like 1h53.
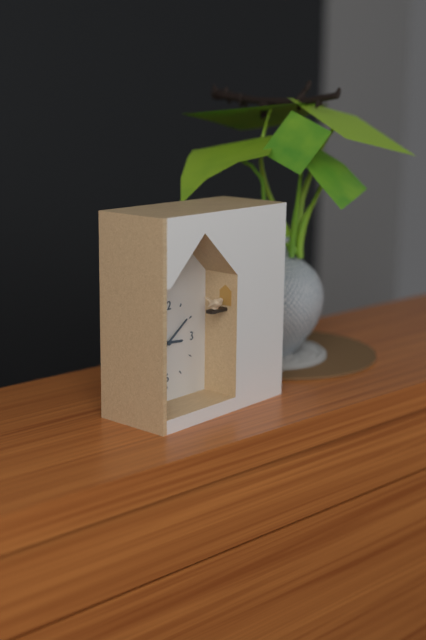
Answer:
3h09
